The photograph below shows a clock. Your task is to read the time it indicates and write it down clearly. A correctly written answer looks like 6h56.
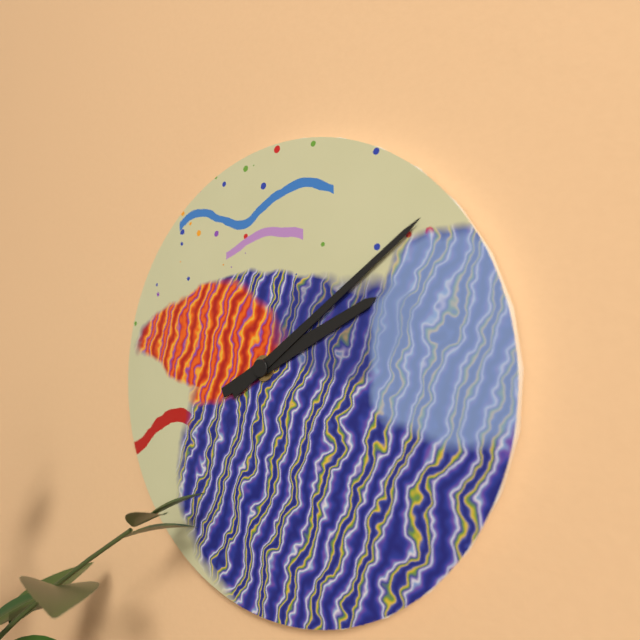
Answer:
2h09
